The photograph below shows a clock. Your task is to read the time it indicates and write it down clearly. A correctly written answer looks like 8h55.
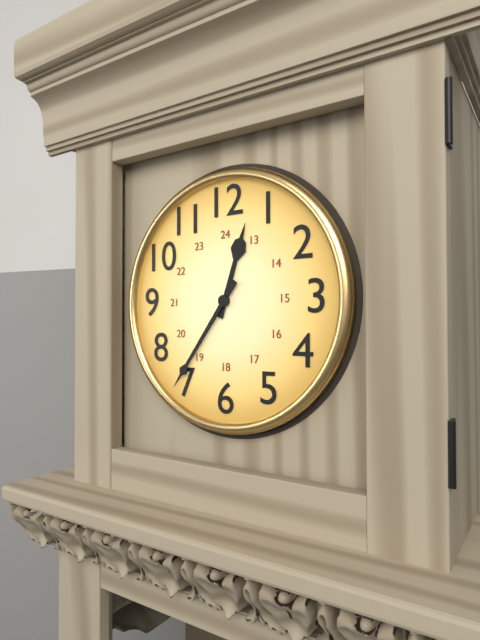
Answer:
12h36
